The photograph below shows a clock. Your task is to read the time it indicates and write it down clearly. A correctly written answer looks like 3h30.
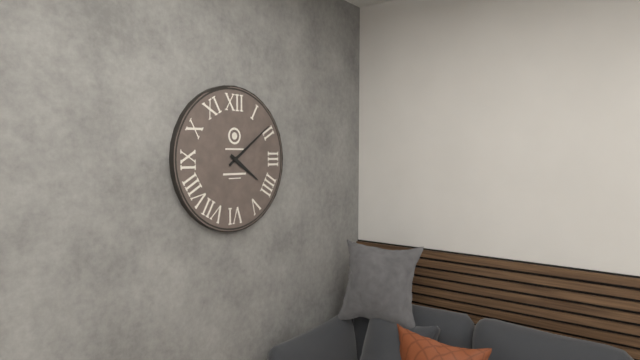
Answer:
4h09
